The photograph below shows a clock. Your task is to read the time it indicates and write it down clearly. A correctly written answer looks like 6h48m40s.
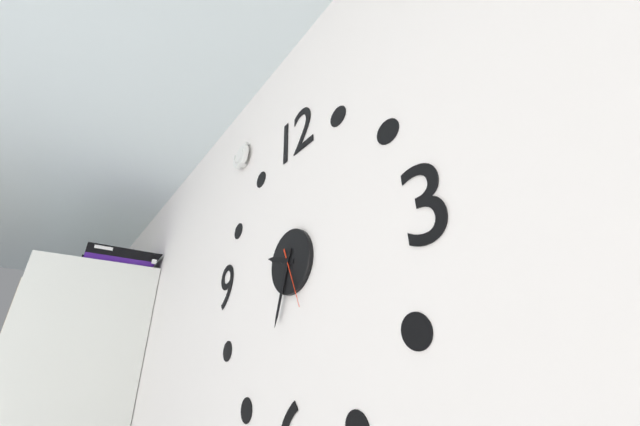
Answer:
9h33m26s
